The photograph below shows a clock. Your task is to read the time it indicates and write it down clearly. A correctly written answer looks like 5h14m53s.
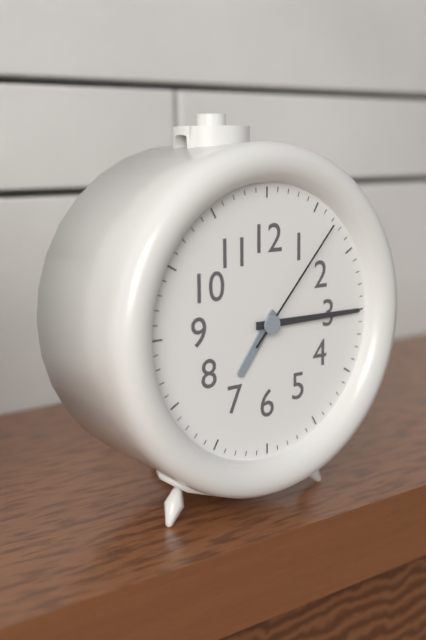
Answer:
7h15m07s
